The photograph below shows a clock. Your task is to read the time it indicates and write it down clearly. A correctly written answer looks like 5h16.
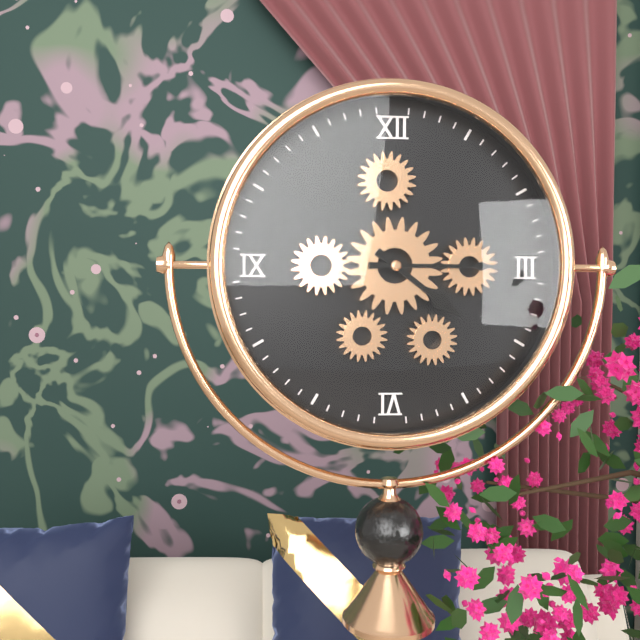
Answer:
4h15
